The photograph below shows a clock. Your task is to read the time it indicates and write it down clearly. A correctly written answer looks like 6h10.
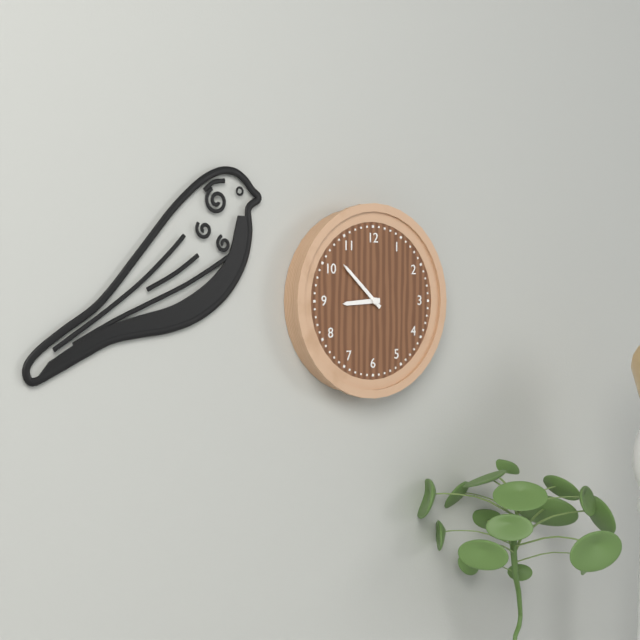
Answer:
8h52
